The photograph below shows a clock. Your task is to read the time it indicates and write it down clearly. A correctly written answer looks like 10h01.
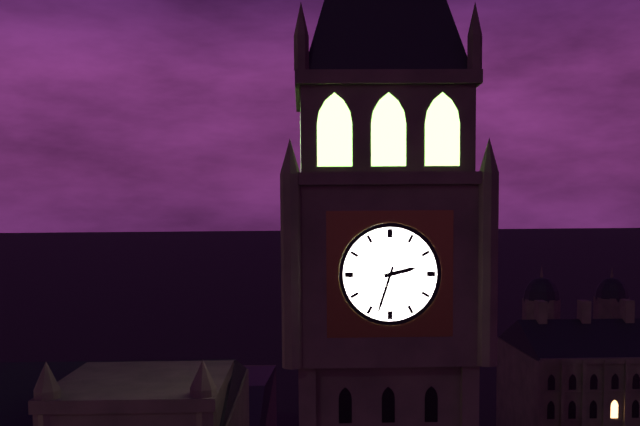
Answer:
2h33
